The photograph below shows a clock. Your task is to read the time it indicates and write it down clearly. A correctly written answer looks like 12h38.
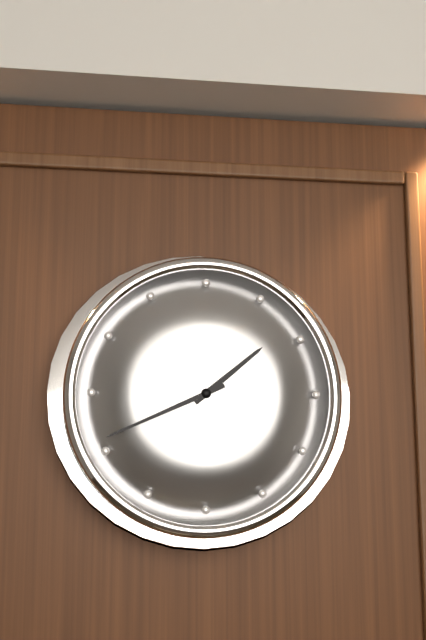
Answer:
1h41
